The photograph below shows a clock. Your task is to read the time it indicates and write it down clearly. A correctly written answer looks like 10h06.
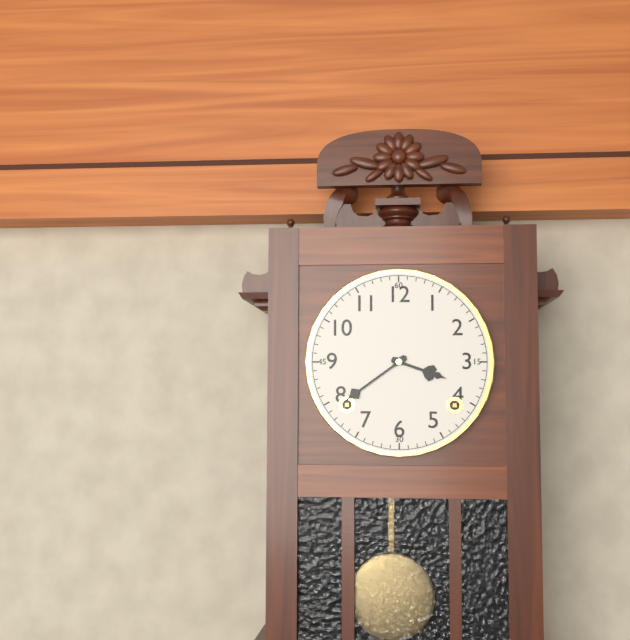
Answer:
3h39
